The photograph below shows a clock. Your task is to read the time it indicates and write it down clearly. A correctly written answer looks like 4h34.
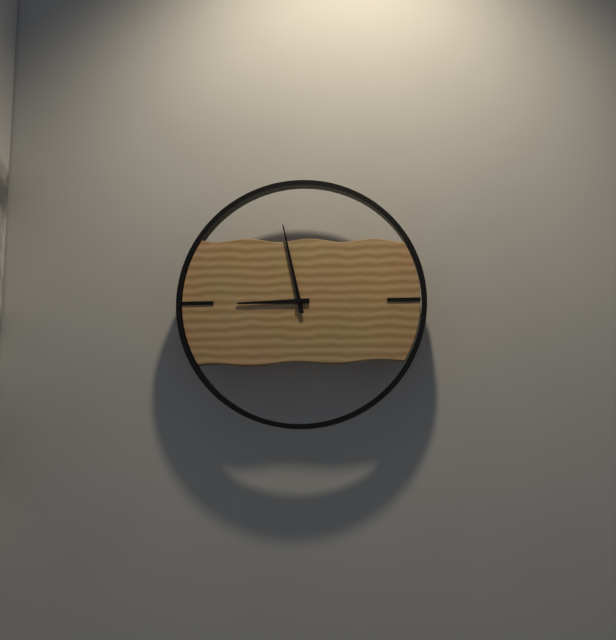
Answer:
8h58
